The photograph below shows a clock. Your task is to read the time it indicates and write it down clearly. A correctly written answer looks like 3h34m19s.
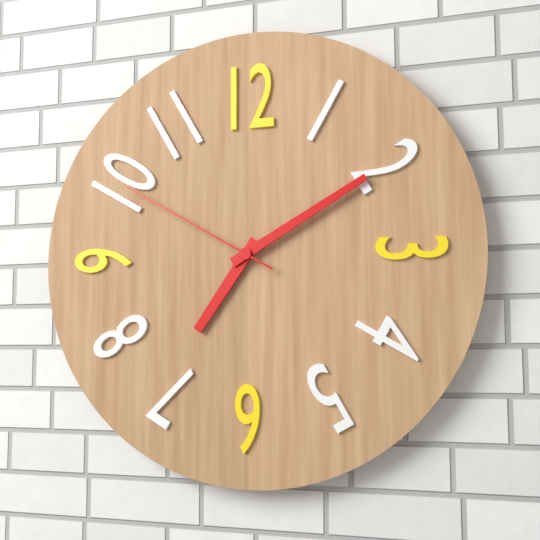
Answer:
7h10m50s
